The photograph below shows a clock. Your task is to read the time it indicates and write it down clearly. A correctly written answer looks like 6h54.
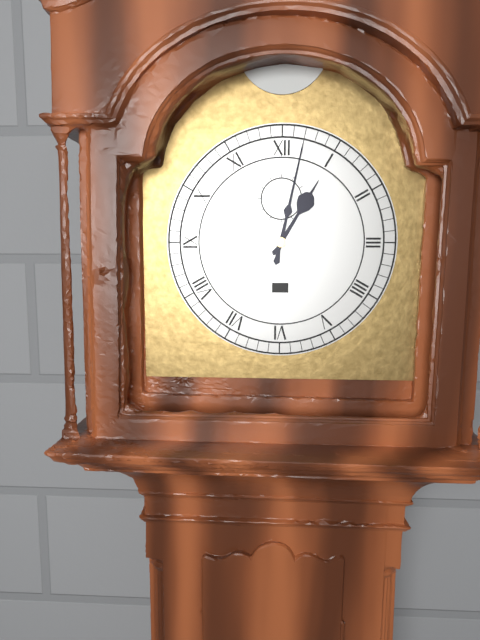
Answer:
1h02
